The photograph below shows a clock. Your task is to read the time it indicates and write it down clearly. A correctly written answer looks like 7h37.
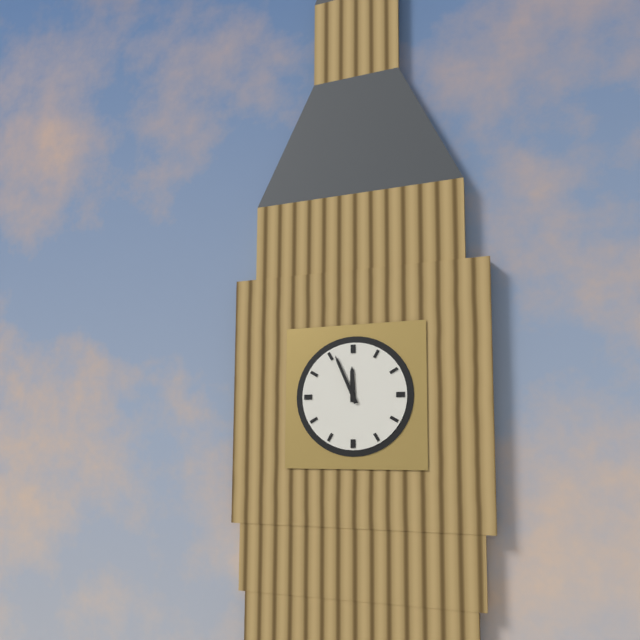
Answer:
11h56
